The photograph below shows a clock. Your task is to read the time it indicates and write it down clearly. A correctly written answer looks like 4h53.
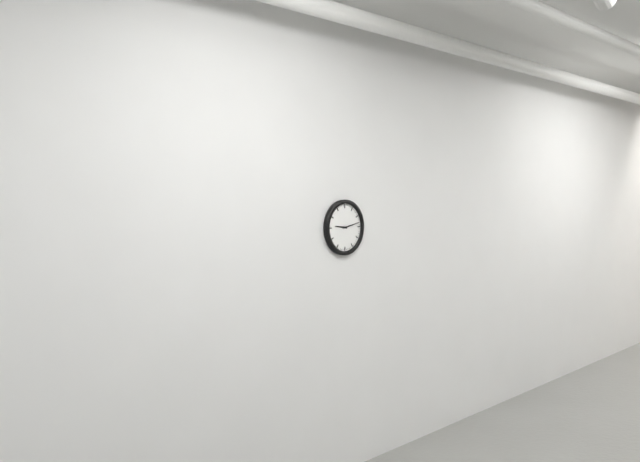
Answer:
9h13
